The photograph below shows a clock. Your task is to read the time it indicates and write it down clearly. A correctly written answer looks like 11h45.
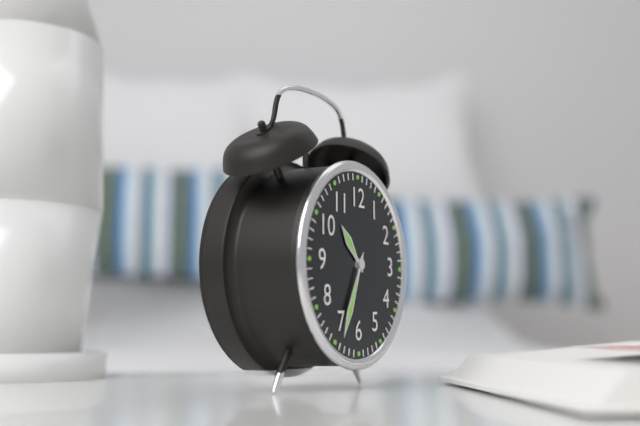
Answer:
10h34
